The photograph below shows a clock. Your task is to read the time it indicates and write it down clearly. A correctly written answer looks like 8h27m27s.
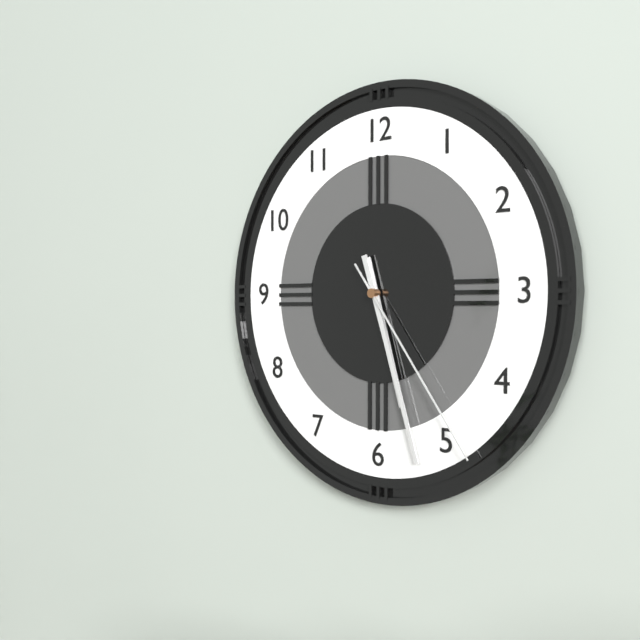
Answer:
5h27m24s
